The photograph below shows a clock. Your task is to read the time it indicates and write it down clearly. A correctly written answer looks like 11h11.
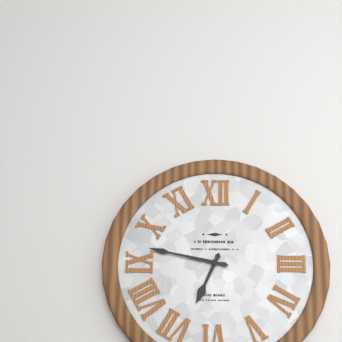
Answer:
6h47
